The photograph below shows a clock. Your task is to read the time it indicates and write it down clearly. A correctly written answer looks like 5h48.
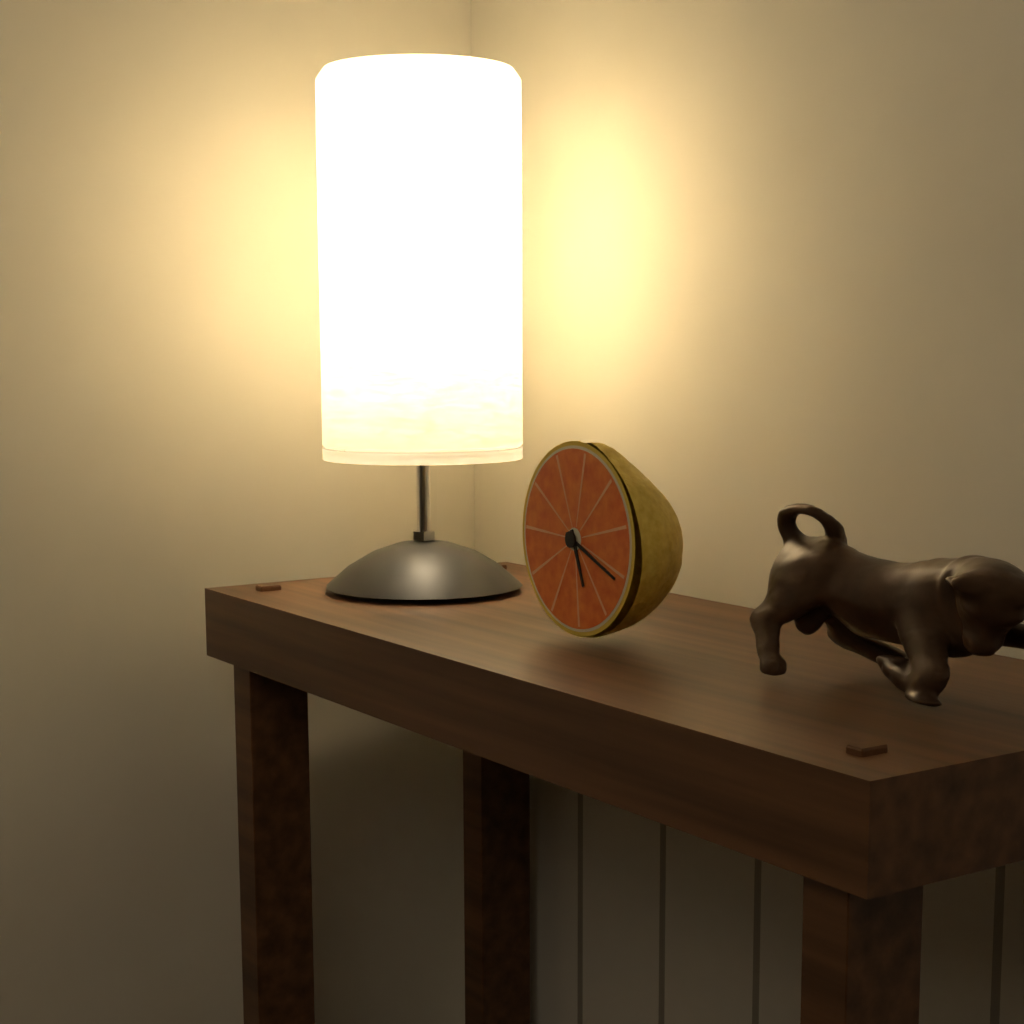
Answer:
5h19
